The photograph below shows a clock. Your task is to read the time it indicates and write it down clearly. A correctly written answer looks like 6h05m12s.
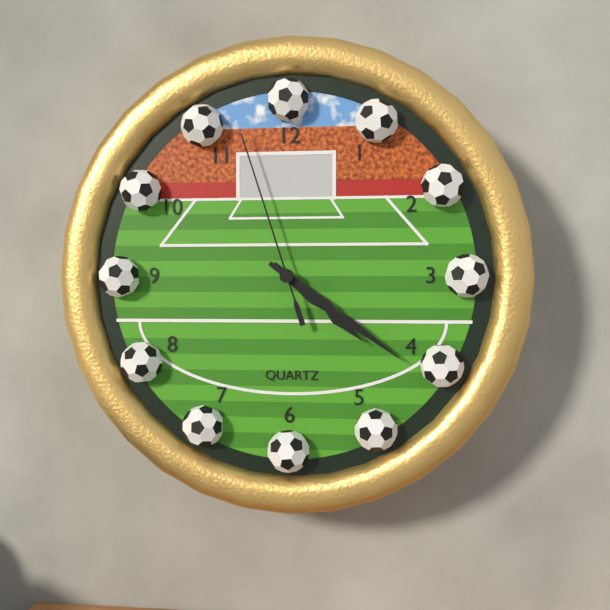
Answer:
4h21m57s
